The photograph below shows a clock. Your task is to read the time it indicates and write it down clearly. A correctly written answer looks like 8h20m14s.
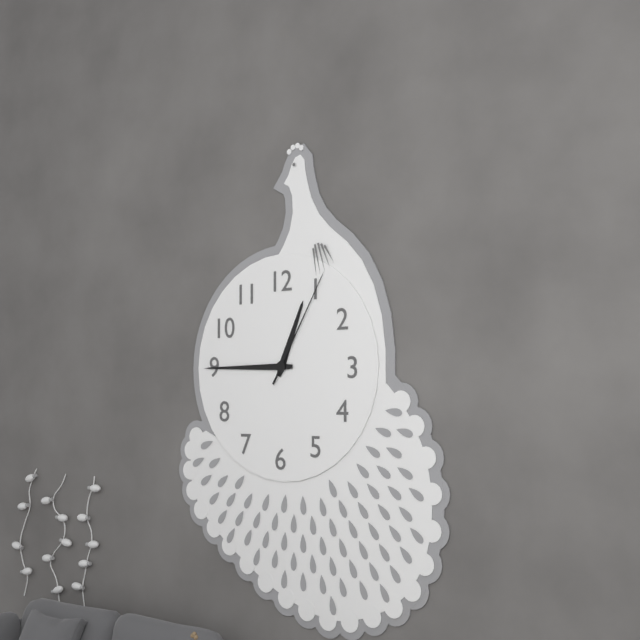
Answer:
12h45m05s
